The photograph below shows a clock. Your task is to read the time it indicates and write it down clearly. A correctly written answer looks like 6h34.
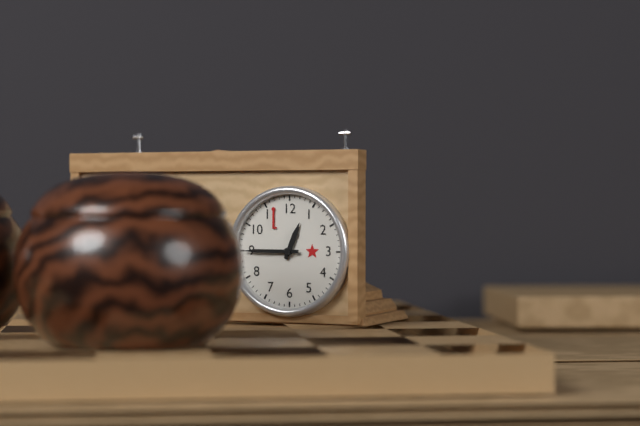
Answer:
12h45
